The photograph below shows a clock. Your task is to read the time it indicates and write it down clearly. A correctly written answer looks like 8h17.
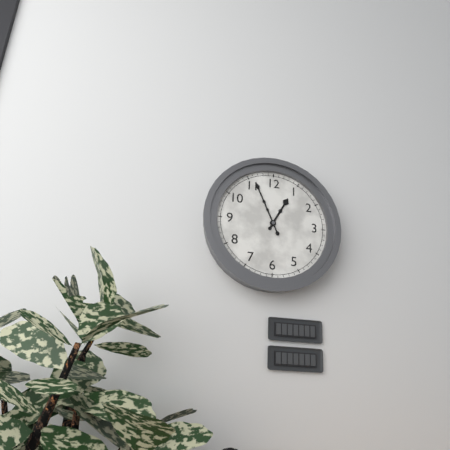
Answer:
12h56
